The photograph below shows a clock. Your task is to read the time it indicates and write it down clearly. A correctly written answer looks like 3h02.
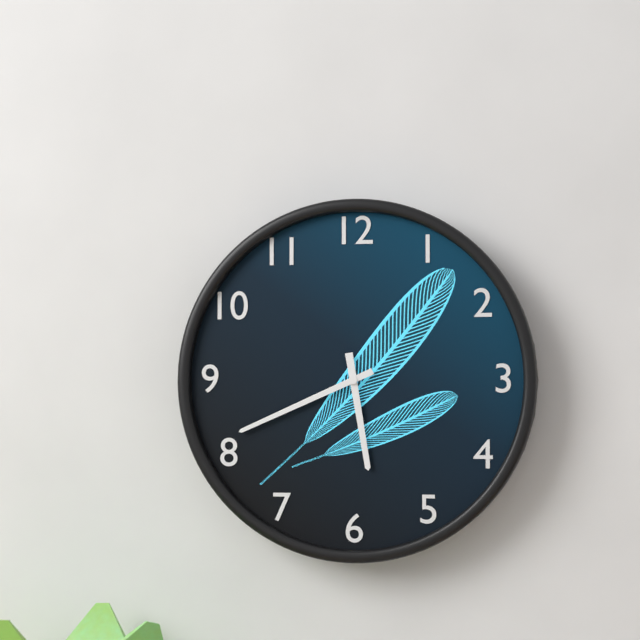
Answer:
5h41
